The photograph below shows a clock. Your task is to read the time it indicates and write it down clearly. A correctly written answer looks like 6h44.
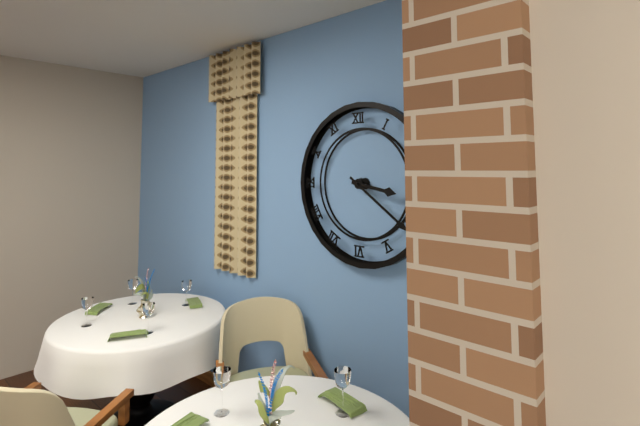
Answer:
3h21
